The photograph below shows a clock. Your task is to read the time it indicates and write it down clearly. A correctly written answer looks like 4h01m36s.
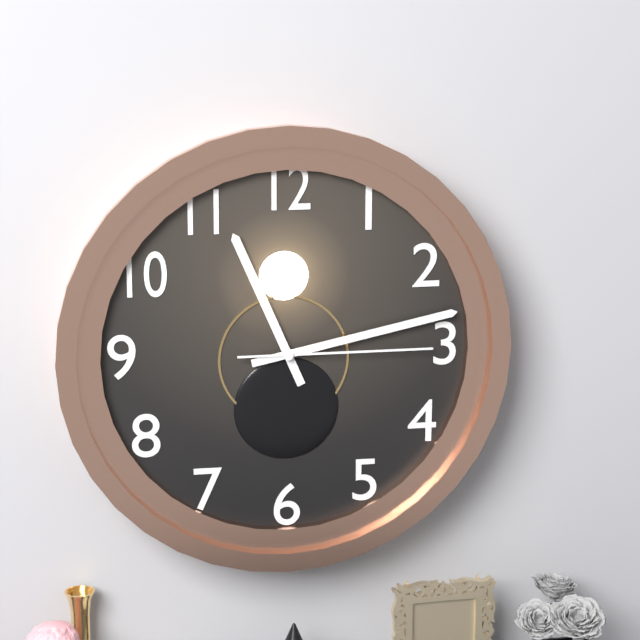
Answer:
11h13m15s
